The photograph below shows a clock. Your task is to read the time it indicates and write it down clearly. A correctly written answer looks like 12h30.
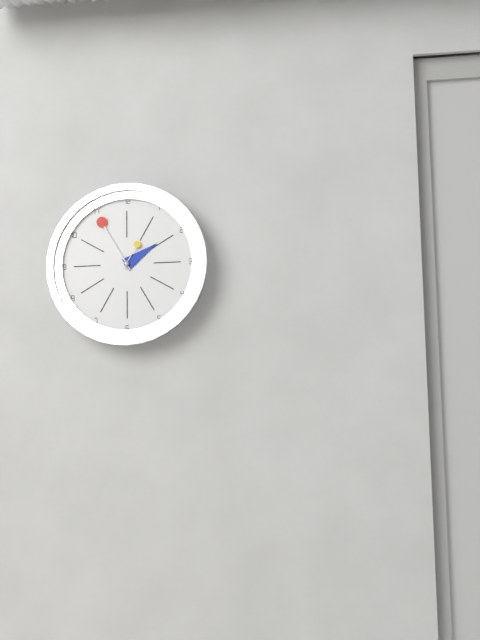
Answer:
1h55
